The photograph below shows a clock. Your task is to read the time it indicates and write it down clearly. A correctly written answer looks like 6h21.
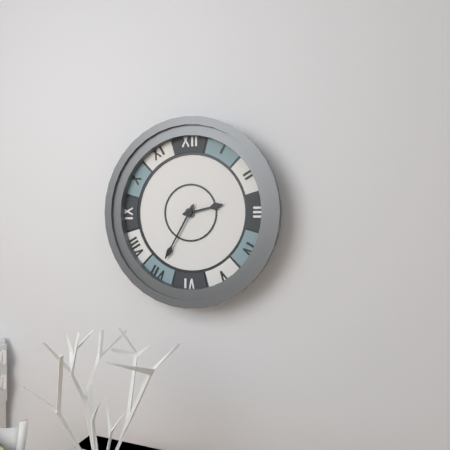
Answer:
2h35
